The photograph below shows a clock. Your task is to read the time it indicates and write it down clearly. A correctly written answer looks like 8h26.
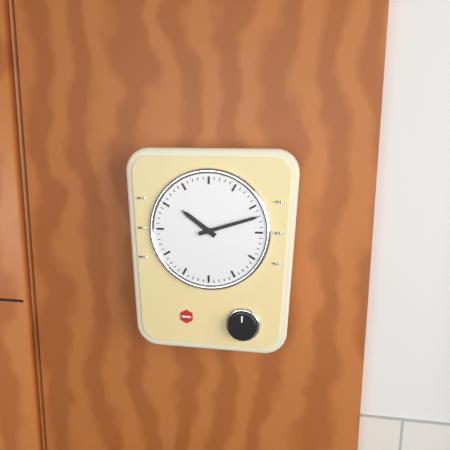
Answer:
10h12
